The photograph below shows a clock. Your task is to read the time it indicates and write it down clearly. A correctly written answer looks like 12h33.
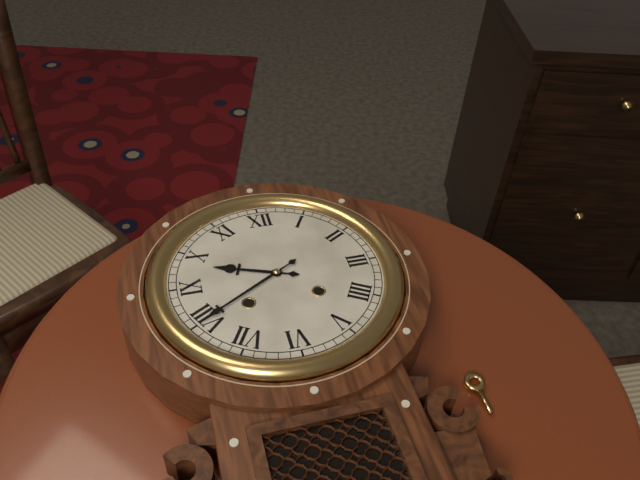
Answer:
9h40
